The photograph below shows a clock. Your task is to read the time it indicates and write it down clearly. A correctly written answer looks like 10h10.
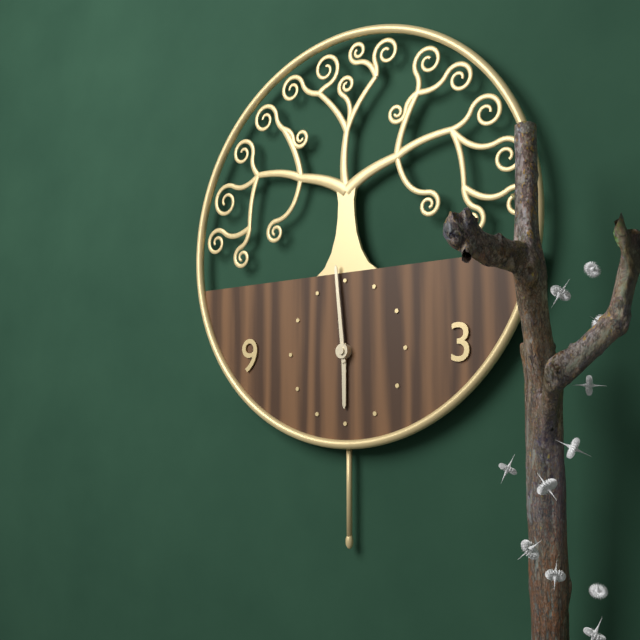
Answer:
5h59
